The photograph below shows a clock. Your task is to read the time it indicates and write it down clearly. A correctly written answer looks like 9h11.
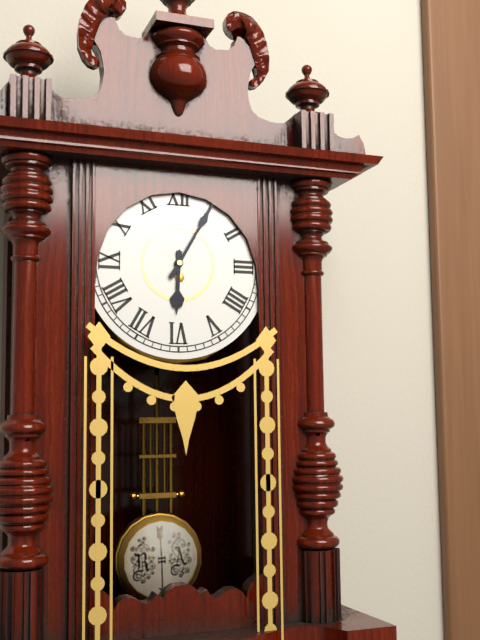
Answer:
6h05
